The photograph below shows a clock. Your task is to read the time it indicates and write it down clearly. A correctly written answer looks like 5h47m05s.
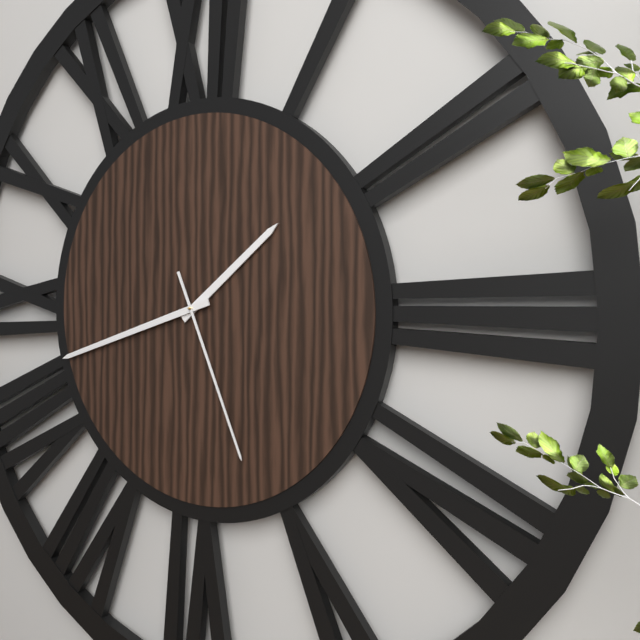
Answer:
1h42m26s
